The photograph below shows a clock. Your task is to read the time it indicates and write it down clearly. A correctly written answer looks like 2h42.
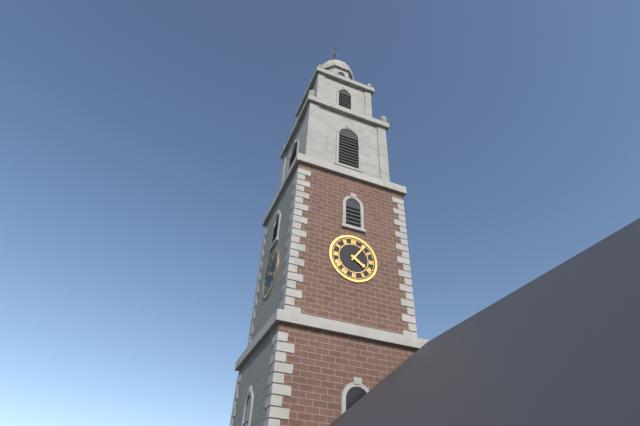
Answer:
4h06
